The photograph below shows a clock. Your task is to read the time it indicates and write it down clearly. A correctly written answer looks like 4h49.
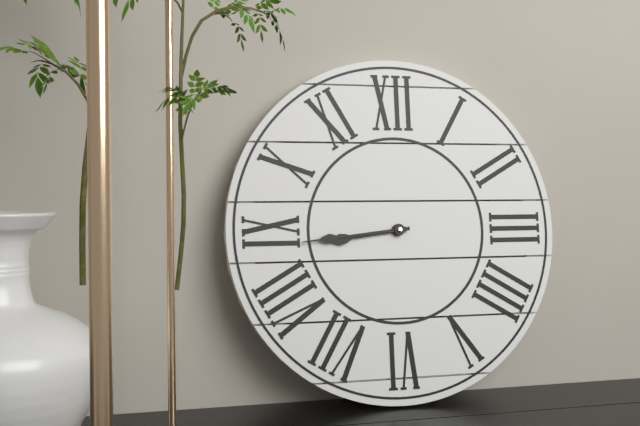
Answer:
8h44
